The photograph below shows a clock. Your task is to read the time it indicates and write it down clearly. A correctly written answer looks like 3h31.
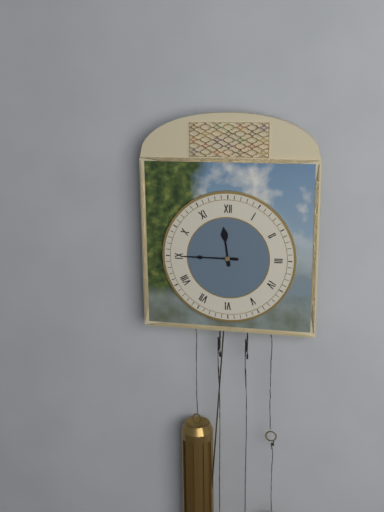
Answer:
11h45
